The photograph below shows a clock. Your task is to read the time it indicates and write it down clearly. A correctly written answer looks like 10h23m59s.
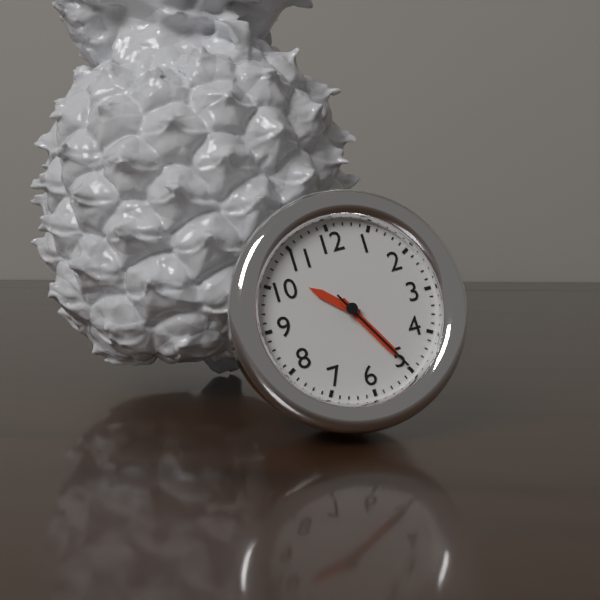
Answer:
10h25m25s
